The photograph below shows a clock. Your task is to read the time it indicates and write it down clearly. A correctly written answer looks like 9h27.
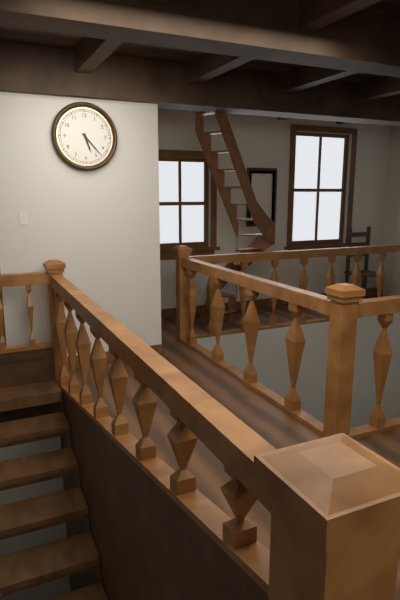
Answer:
5h23
